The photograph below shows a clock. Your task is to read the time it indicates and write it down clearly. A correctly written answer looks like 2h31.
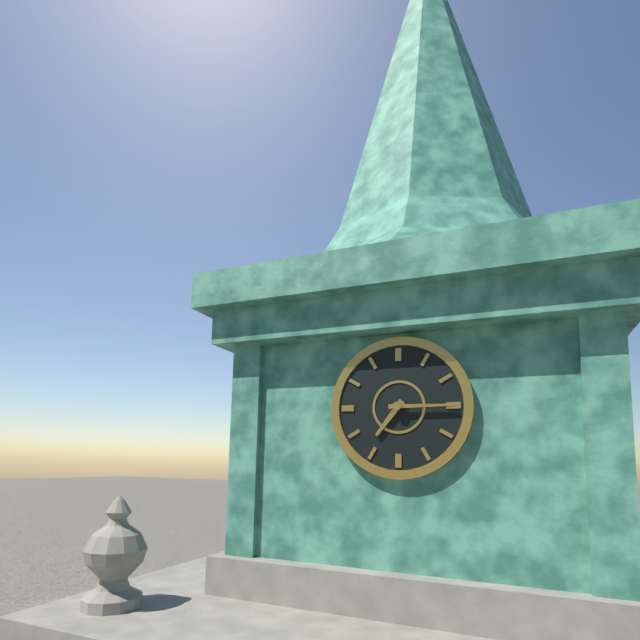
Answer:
7h15
